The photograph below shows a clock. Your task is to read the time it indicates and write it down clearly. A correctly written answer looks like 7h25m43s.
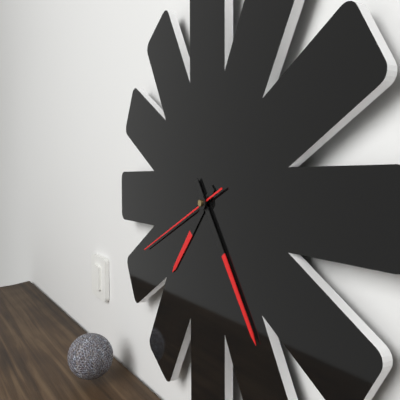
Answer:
7h24m41s
